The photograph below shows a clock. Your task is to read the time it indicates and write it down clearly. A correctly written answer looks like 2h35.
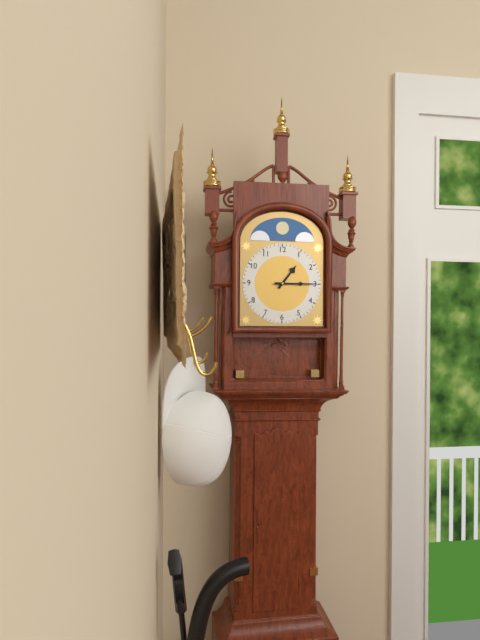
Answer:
1h15
